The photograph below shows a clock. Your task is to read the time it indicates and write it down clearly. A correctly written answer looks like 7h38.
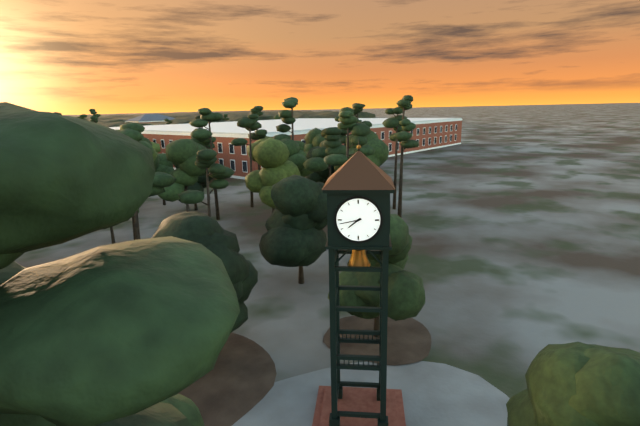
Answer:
7h43
